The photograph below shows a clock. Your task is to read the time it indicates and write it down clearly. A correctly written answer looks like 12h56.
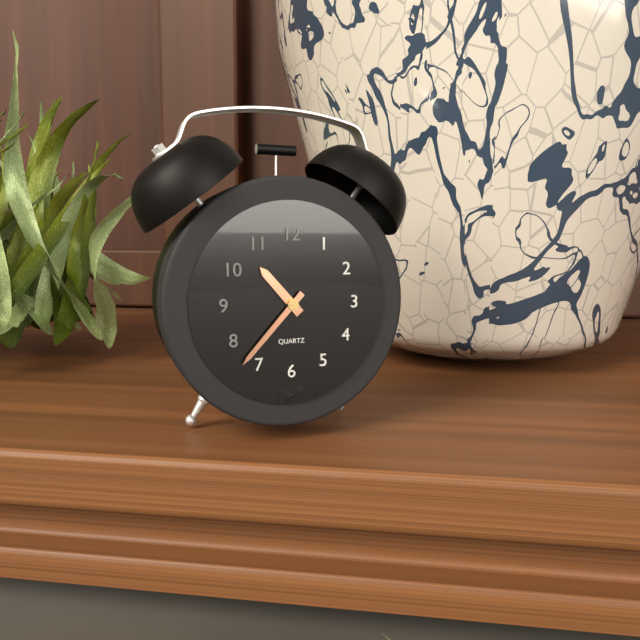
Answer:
10h37
